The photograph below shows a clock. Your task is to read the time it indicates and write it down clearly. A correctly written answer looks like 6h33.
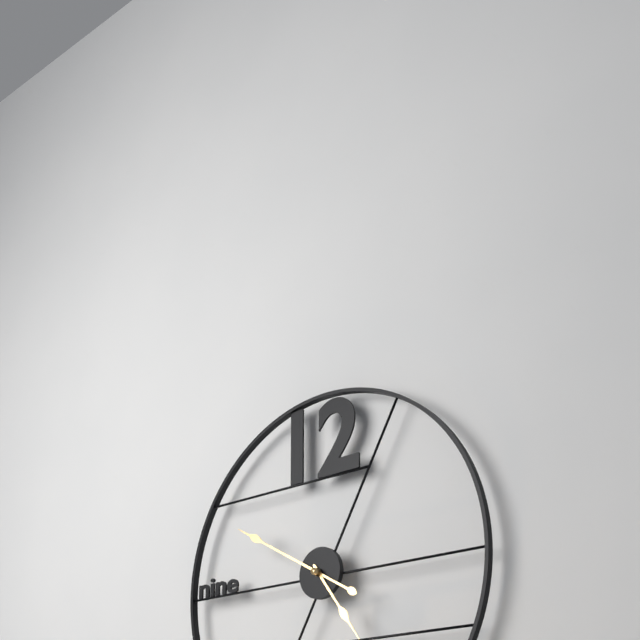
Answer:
4h50
